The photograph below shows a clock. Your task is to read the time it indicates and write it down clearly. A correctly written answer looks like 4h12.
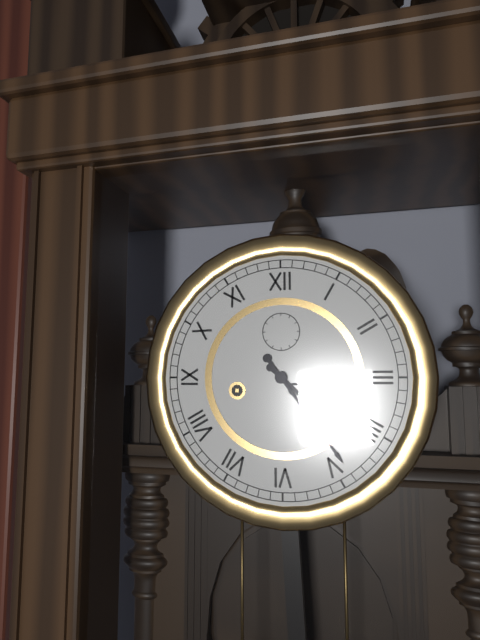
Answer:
4h24
